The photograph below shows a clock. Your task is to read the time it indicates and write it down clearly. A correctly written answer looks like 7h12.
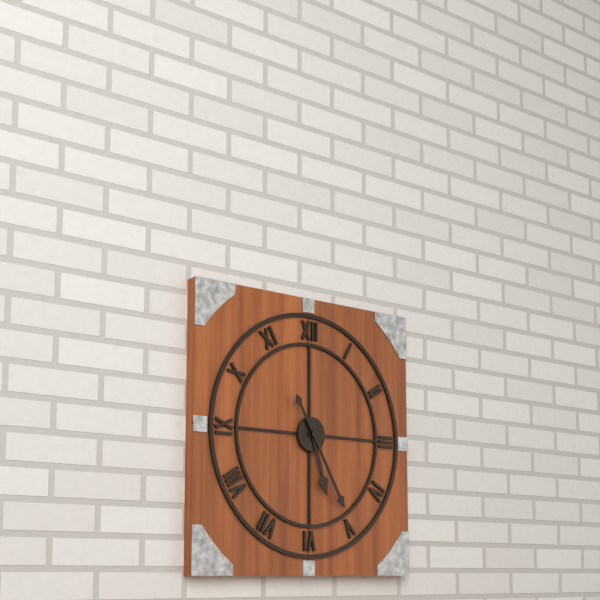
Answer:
5h25
